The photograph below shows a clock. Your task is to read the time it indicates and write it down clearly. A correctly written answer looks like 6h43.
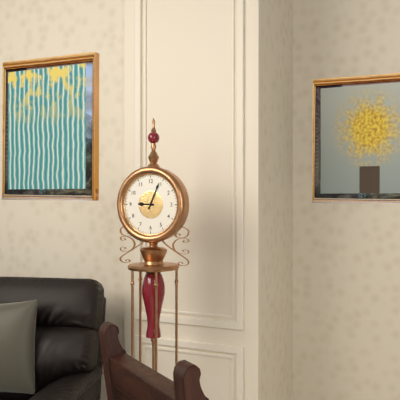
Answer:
9h04
